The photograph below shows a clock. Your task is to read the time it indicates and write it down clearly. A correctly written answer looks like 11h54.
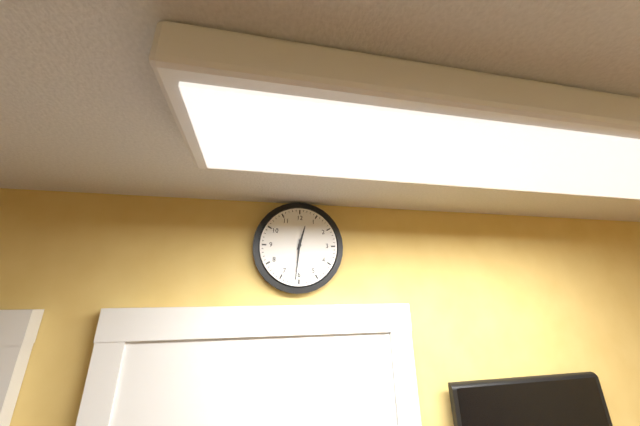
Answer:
12h31
